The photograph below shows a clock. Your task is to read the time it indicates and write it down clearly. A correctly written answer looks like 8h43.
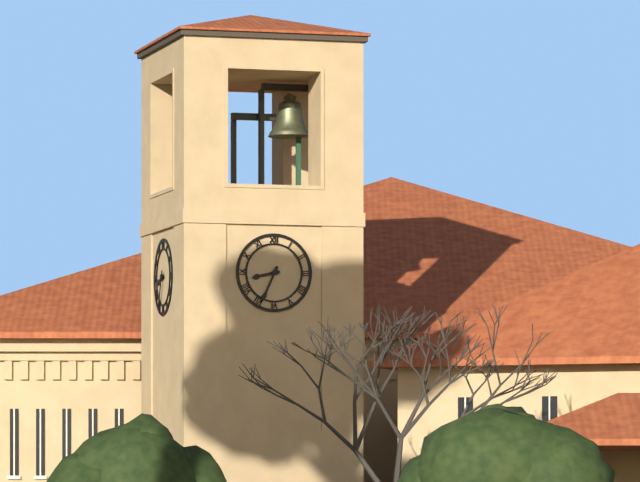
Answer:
8h34
